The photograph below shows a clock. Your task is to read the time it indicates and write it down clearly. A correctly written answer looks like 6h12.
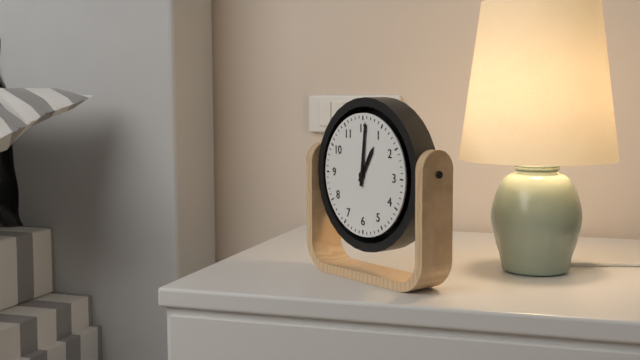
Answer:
1h01
